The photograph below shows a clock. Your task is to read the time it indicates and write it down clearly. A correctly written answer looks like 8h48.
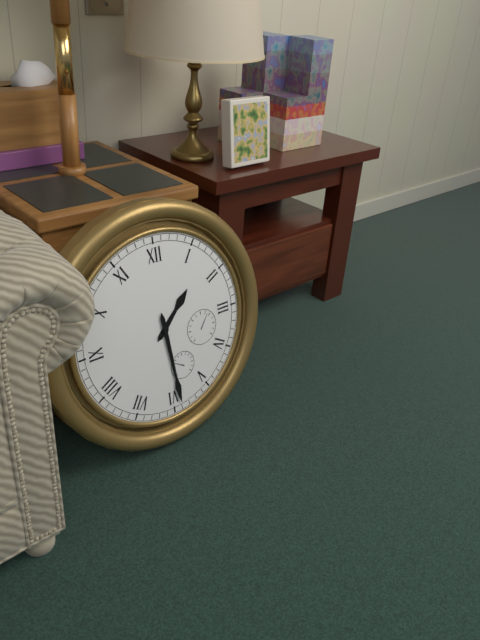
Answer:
1h29
